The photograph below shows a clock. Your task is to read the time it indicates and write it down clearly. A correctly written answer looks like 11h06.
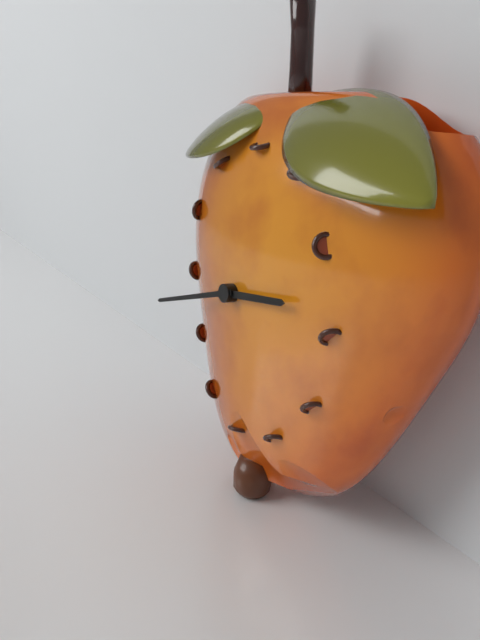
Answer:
2h42
